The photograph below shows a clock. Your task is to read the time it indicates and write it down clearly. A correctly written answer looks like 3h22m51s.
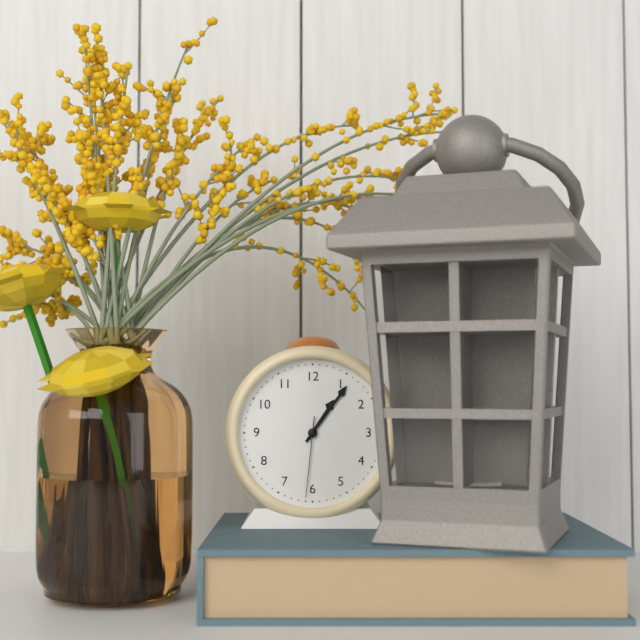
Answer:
1h06m31s
